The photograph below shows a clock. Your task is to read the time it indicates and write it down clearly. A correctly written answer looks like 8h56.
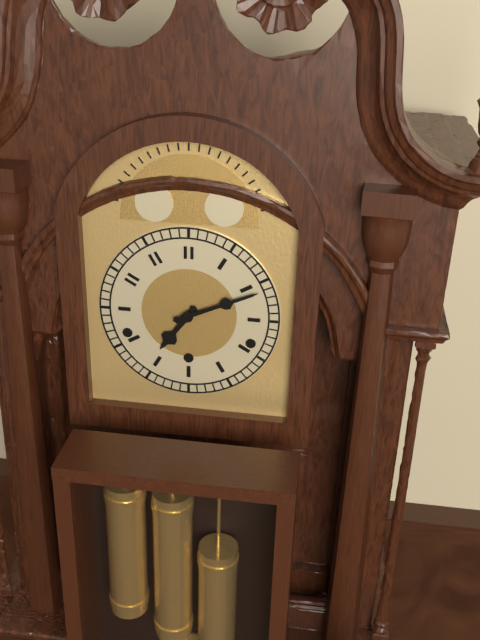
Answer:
7h11
